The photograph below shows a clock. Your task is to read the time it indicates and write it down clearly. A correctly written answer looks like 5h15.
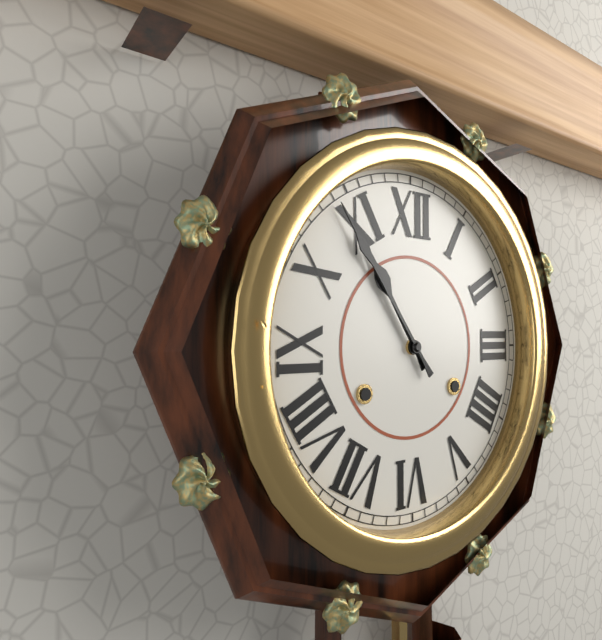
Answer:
10h54
